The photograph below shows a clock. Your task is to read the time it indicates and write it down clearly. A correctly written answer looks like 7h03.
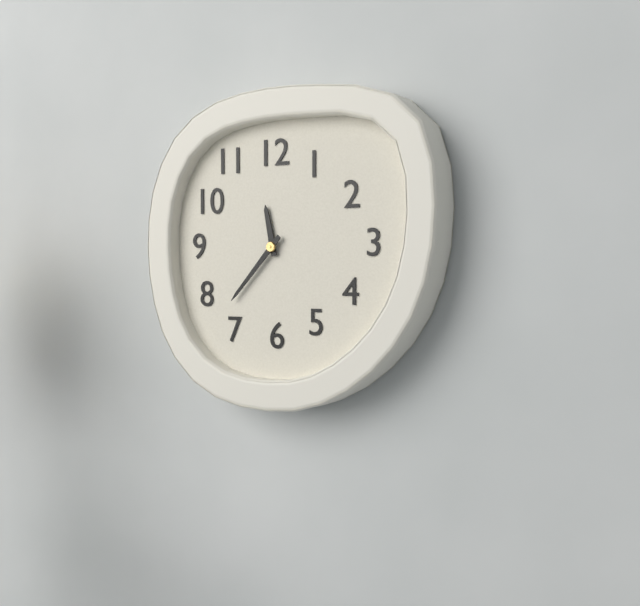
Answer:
11h37
